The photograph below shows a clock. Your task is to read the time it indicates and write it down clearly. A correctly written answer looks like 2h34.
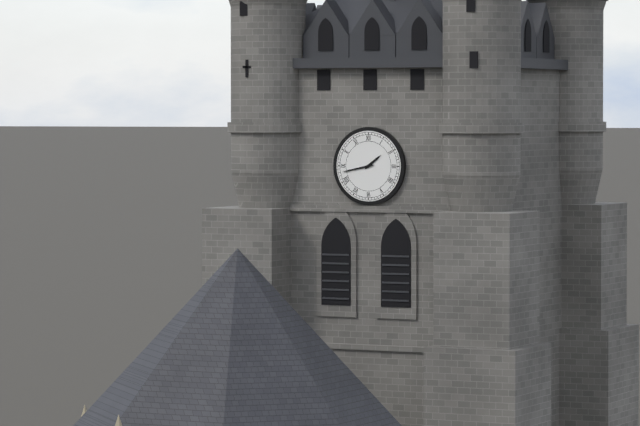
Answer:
1h43
